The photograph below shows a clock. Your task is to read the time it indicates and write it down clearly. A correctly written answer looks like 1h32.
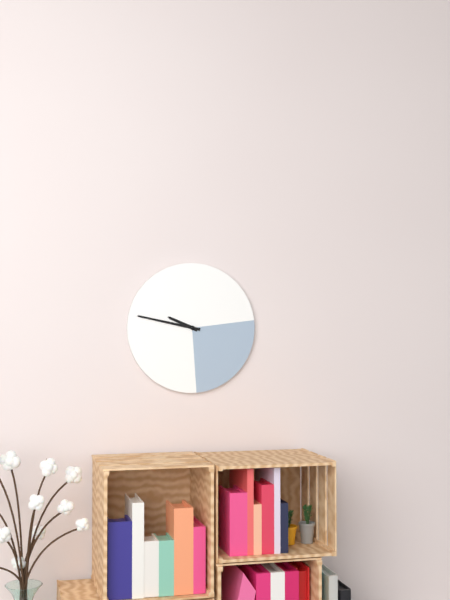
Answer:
9h47
